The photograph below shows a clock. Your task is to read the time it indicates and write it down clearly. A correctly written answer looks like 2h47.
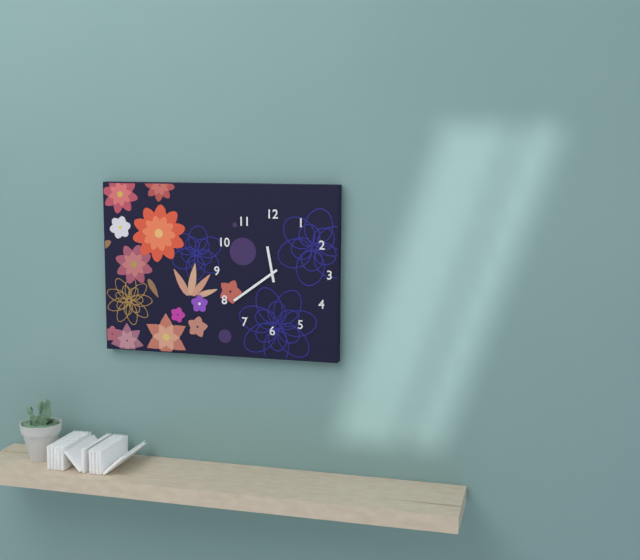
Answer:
11h39
